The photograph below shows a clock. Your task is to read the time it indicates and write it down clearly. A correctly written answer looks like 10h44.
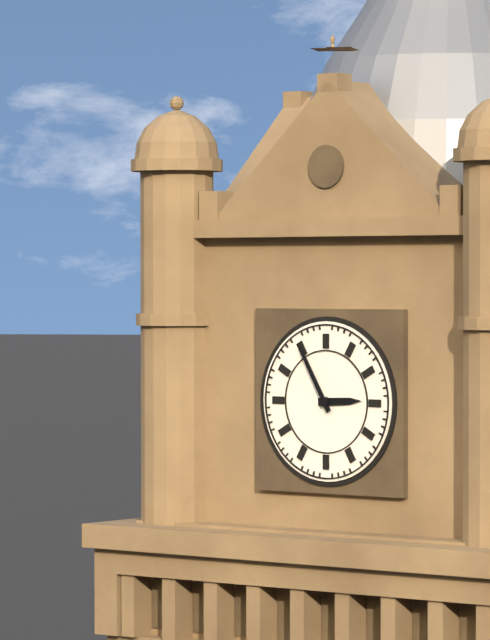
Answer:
2h55
